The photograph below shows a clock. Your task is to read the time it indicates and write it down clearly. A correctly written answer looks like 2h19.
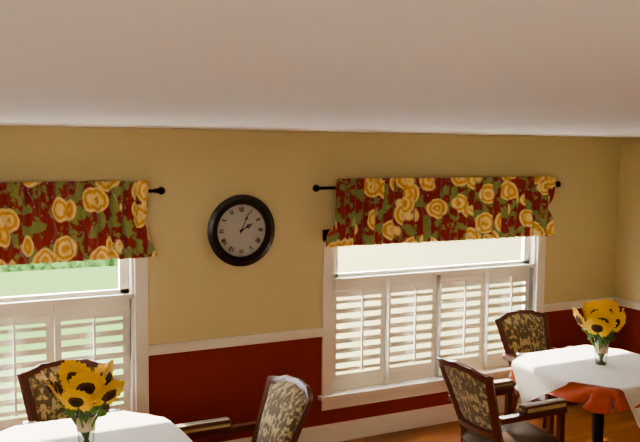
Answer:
2h04
